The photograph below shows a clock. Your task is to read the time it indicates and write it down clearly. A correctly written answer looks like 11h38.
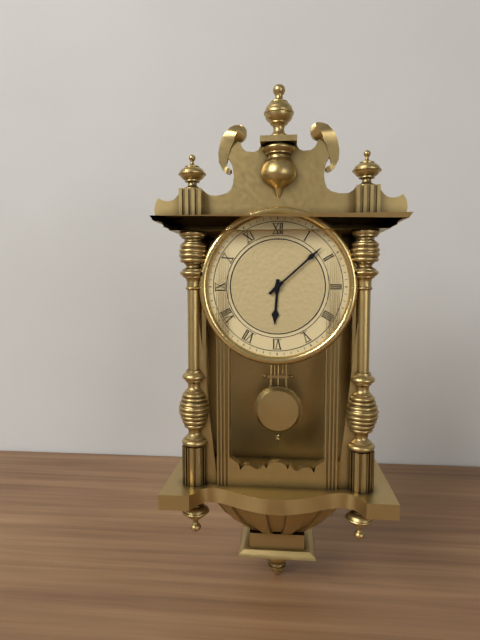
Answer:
6h08
